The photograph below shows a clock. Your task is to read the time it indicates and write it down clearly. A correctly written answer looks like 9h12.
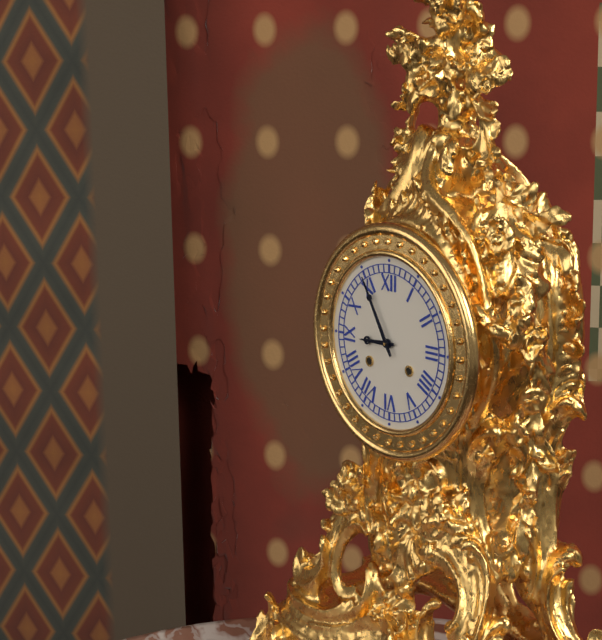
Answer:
8h55
